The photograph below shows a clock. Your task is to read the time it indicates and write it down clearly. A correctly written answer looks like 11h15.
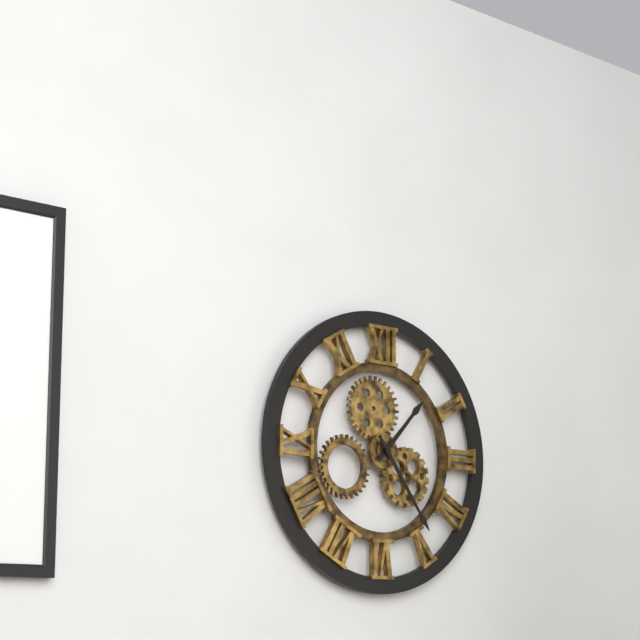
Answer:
1h24
